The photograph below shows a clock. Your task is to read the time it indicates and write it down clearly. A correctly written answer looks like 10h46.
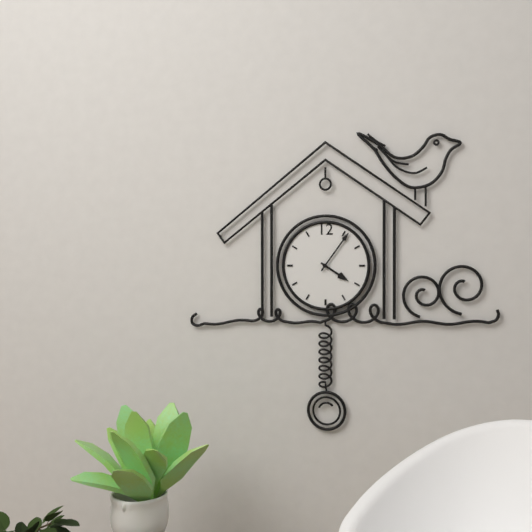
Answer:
4h06
